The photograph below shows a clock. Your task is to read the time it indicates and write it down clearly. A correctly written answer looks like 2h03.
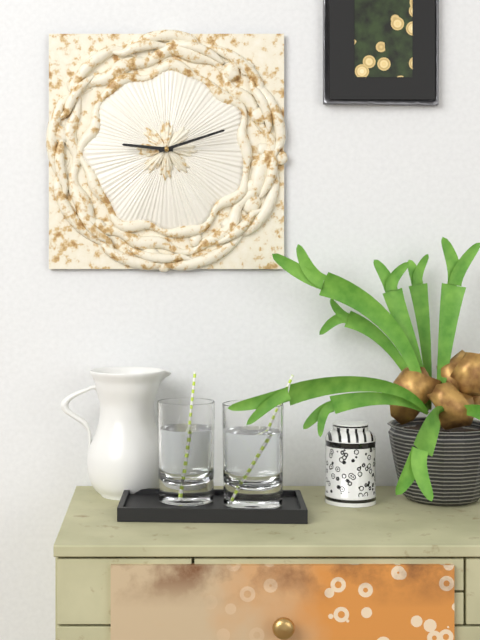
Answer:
9h12
